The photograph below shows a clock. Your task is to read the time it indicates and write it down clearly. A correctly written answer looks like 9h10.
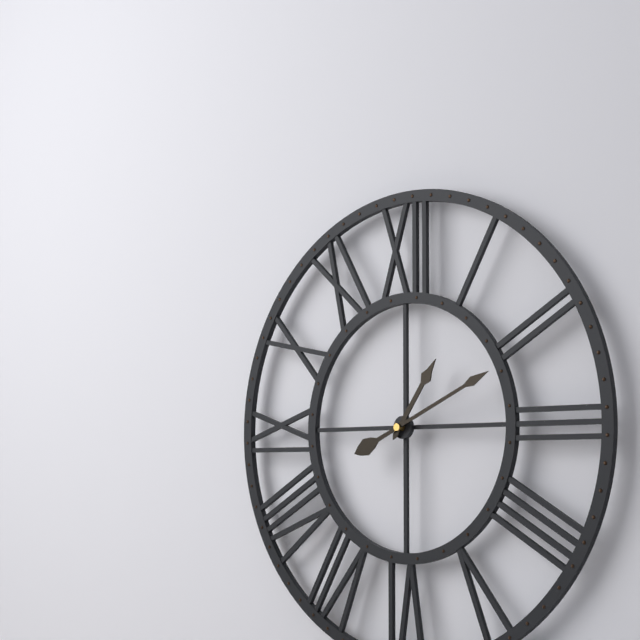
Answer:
1h11
